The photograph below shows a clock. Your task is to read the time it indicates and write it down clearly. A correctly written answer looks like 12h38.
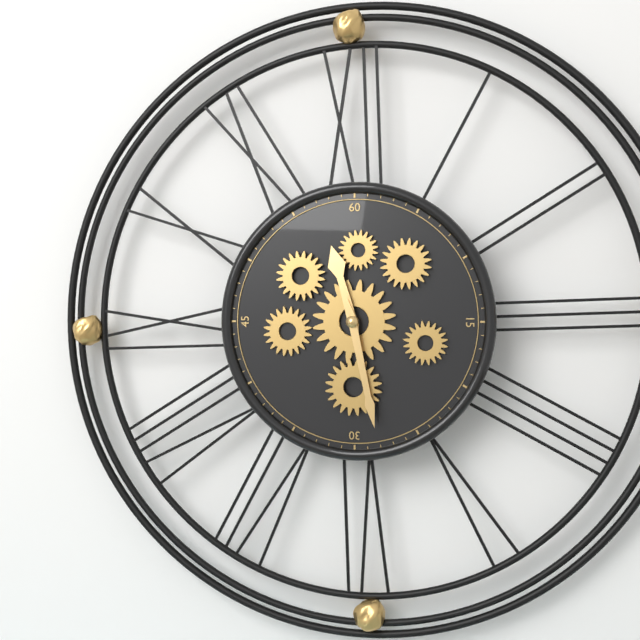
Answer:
11h28
